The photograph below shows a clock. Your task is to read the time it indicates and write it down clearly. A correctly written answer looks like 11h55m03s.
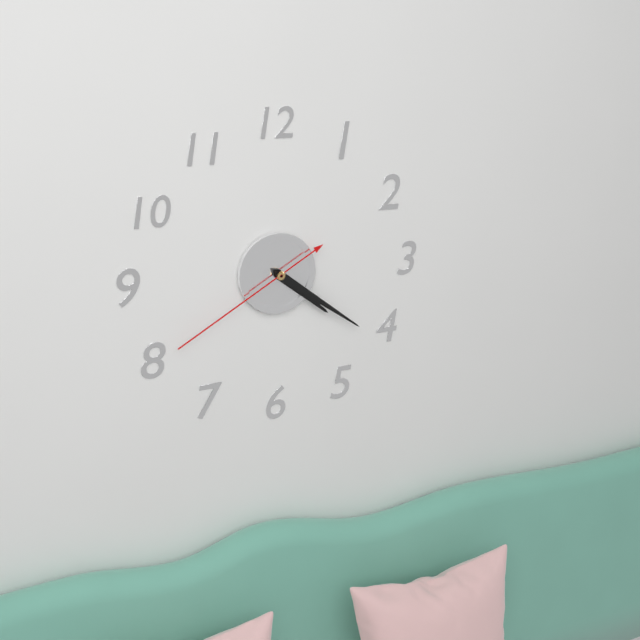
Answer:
4h21m40s
